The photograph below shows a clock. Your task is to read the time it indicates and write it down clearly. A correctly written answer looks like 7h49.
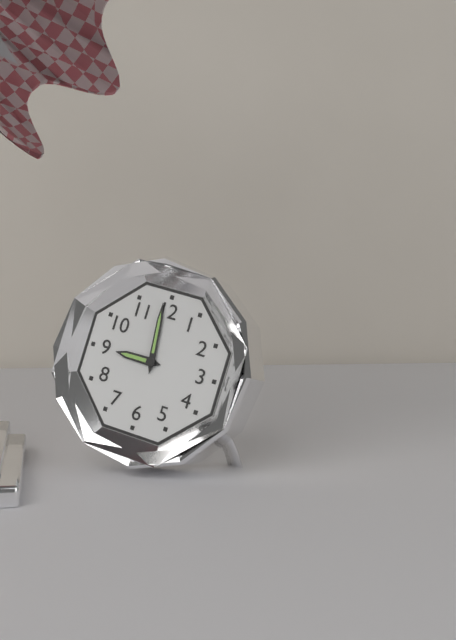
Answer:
8h59
